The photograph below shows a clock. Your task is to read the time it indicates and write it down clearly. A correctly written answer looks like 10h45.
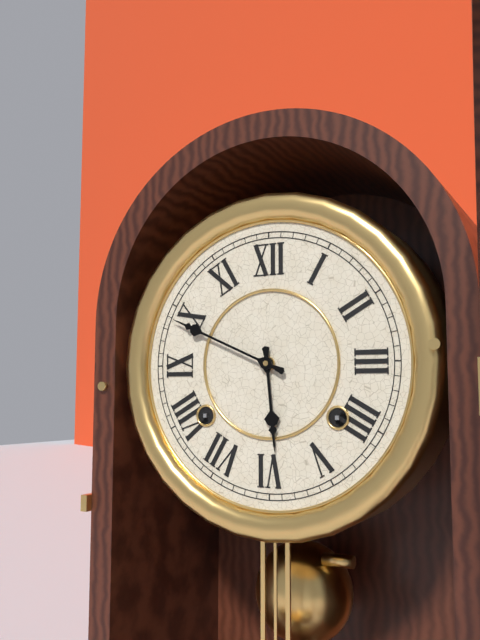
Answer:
5h49
